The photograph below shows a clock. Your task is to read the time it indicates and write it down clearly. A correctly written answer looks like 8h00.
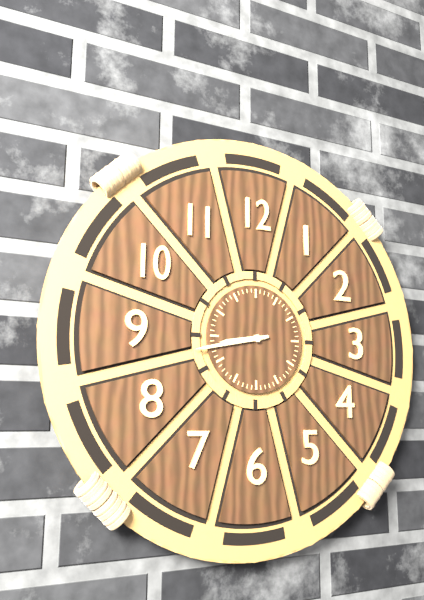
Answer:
8h43
